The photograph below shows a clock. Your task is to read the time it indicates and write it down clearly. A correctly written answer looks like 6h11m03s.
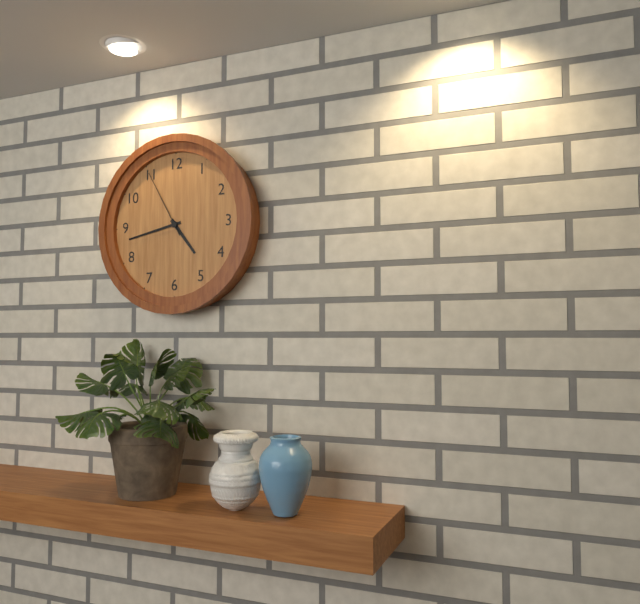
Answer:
4h43m55s
